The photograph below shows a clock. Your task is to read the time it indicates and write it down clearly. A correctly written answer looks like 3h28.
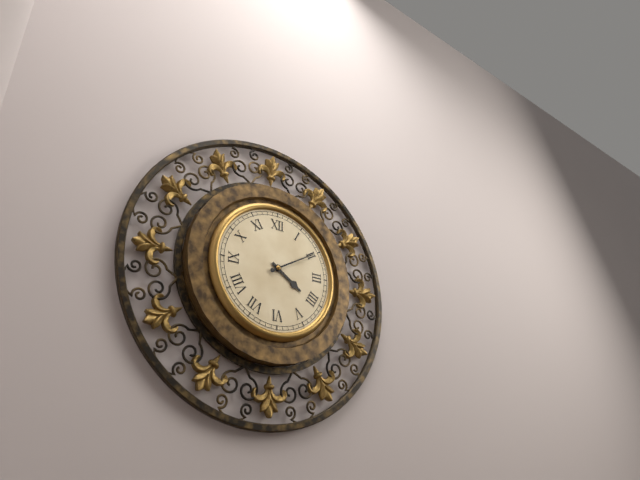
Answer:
4h10
